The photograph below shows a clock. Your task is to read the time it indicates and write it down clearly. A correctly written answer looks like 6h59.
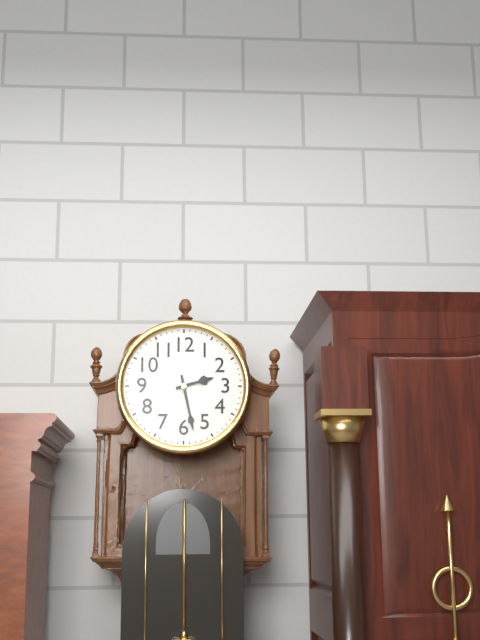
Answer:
2h28
